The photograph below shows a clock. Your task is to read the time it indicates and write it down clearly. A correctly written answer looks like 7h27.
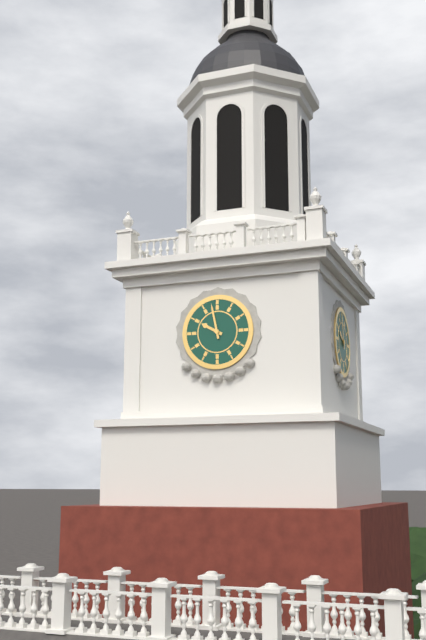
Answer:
9h58
